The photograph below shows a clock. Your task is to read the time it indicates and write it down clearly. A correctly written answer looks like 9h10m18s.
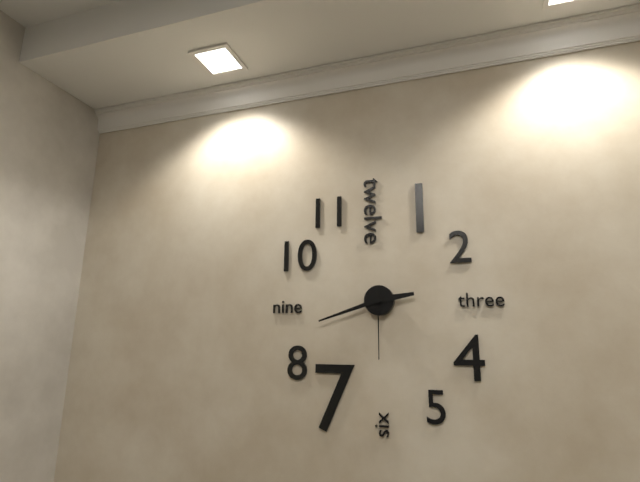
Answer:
2h42m30s
